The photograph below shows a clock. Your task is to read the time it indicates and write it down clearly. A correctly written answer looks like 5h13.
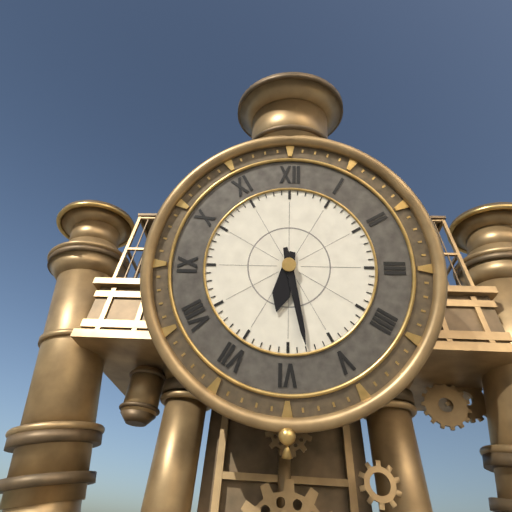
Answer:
6h28
